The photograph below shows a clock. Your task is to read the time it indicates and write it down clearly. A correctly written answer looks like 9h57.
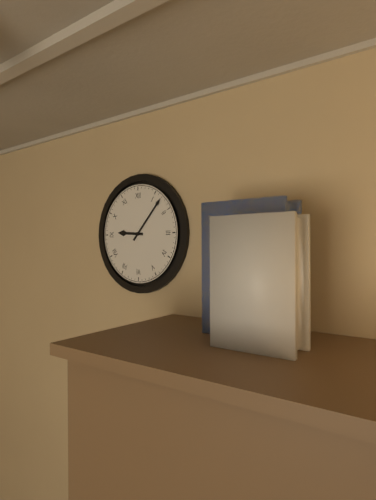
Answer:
9h07
